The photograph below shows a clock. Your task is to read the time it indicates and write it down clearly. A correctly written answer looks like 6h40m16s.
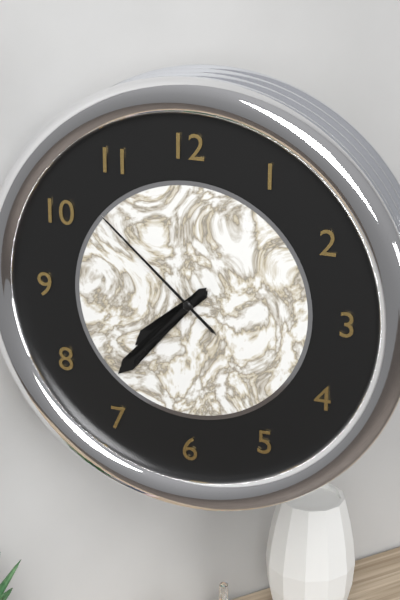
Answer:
7h37m52s
